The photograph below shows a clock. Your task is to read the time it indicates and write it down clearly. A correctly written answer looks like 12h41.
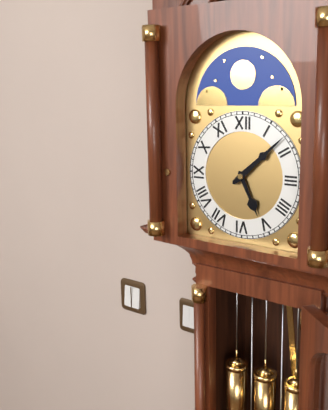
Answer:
5h08
